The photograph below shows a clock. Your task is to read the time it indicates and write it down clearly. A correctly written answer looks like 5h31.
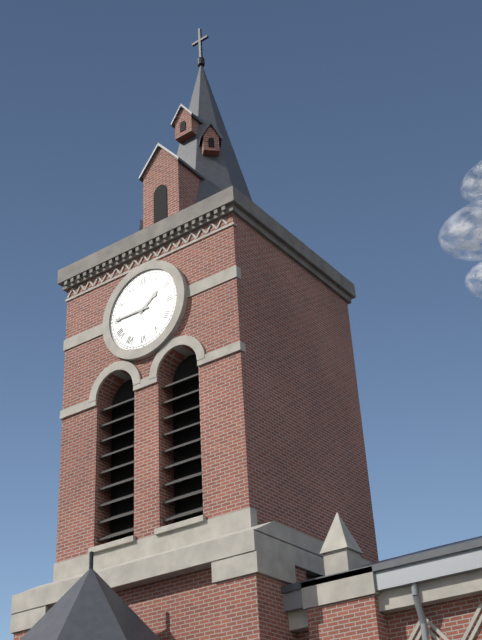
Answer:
1h45
